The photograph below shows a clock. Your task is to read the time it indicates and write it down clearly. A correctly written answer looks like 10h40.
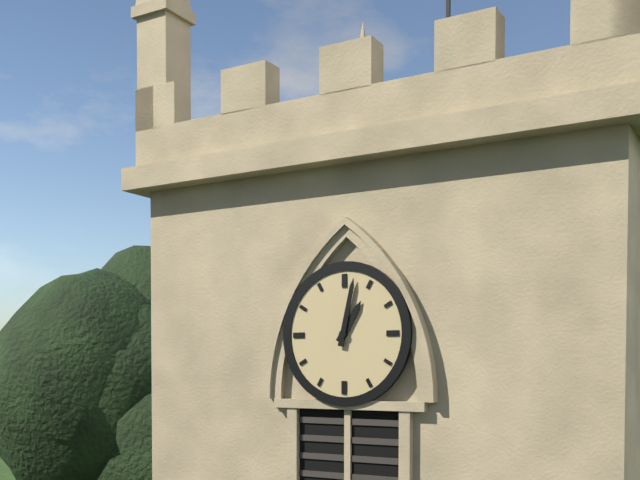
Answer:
1h02
